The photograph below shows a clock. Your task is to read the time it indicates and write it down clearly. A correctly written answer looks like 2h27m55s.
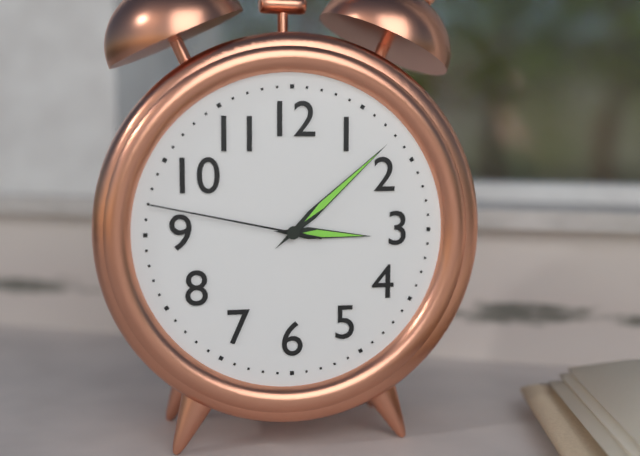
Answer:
3h08m47s
